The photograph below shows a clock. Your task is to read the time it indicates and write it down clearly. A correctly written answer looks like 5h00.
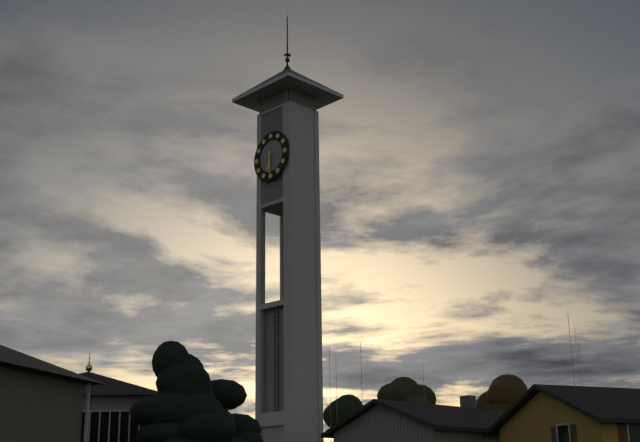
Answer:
6h30
